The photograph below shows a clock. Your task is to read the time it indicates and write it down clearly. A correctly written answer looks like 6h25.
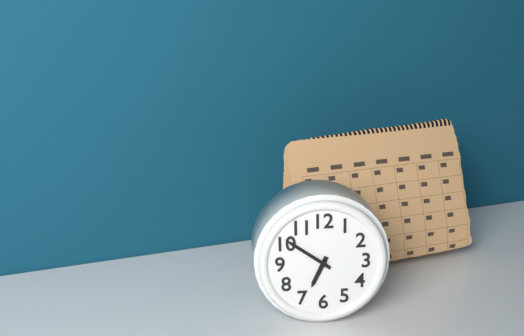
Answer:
6h51
